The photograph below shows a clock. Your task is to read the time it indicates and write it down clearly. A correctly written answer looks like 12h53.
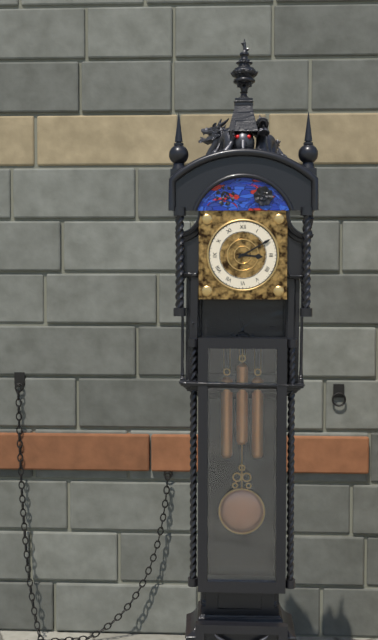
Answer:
3h10
